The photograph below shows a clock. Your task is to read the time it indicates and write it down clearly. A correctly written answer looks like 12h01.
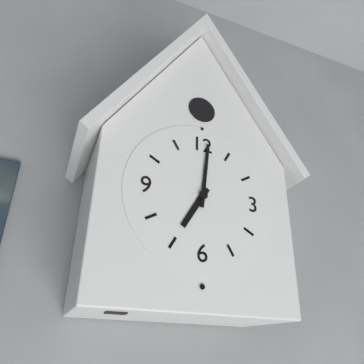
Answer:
7h01
